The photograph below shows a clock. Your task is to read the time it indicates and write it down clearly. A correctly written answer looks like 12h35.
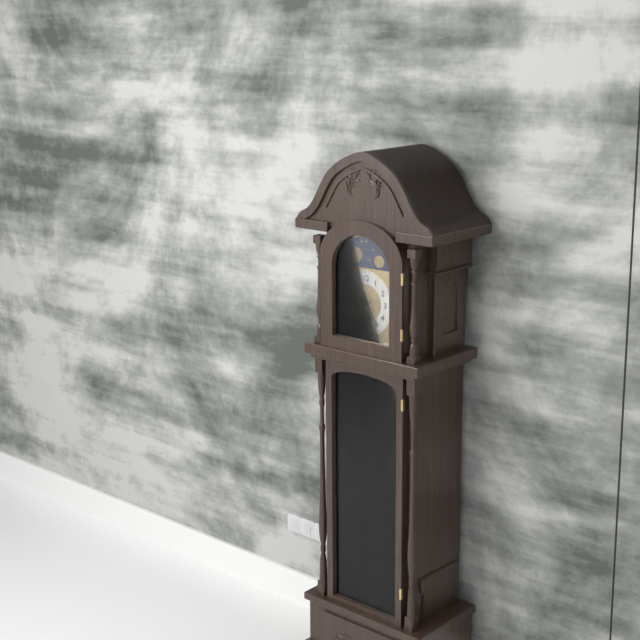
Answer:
8h24
